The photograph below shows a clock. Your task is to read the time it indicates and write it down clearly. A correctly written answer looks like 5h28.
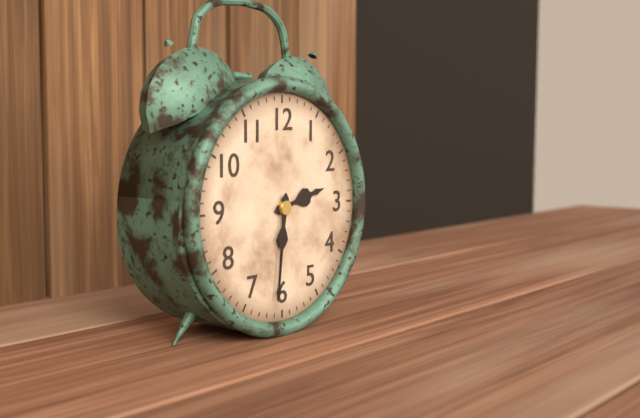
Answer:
2h31
